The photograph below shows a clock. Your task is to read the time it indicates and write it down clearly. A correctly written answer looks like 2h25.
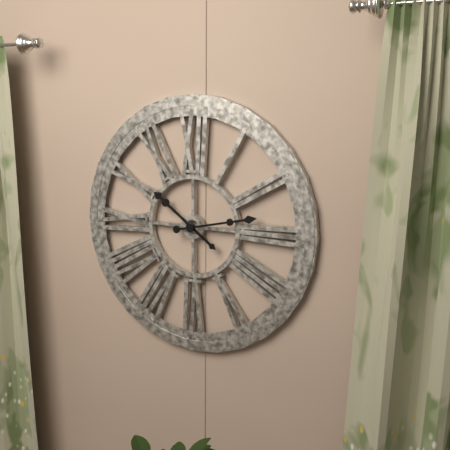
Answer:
10h13
